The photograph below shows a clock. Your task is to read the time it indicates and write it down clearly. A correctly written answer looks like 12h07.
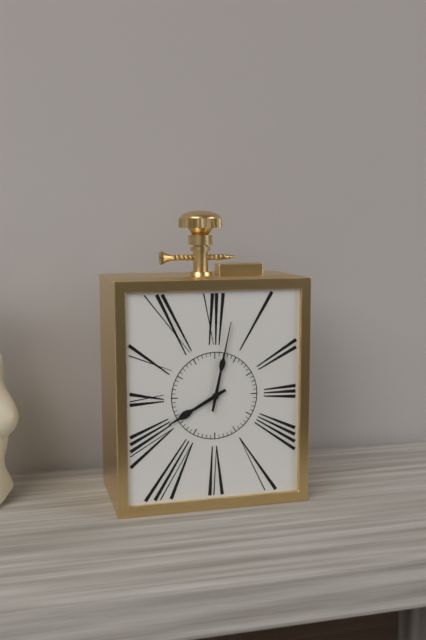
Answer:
8h02
